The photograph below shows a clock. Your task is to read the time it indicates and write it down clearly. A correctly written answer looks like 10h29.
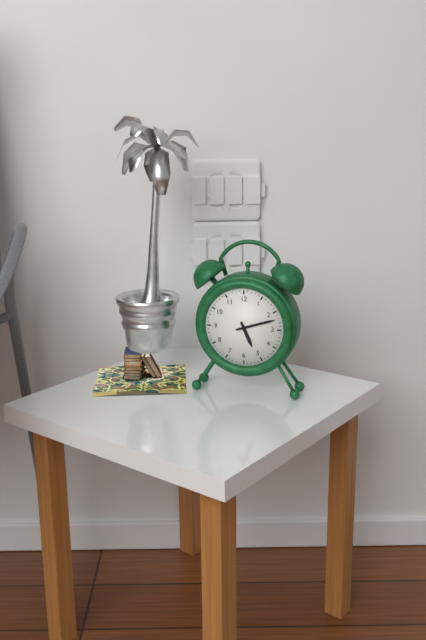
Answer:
5h12
